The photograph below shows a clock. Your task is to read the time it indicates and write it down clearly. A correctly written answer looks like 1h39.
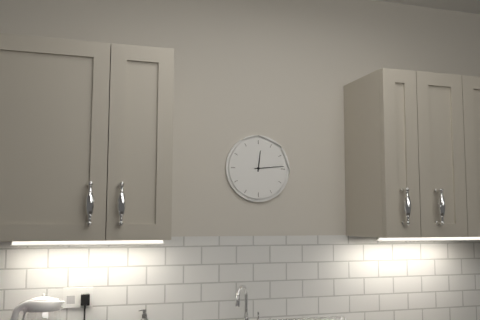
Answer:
12h14
